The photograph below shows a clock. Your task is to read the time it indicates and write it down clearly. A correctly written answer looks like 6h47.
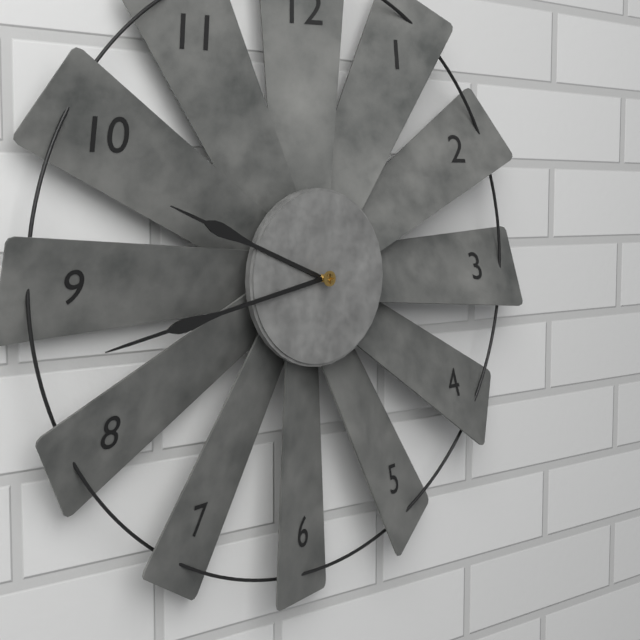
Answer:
9h43
